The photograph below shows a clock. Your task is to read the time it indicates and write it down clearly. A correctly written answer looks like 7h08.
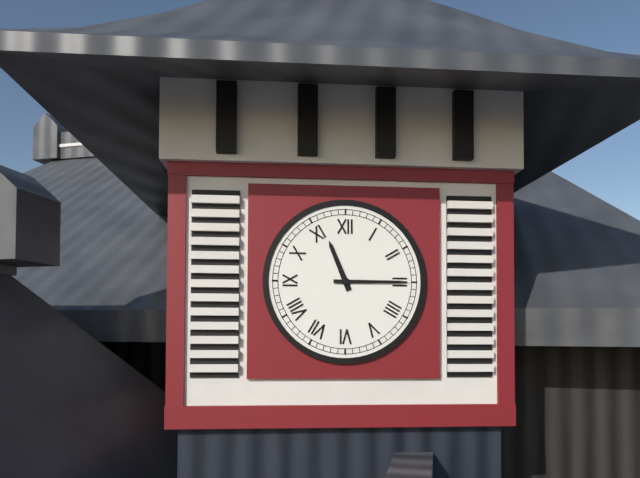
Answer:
11h15
